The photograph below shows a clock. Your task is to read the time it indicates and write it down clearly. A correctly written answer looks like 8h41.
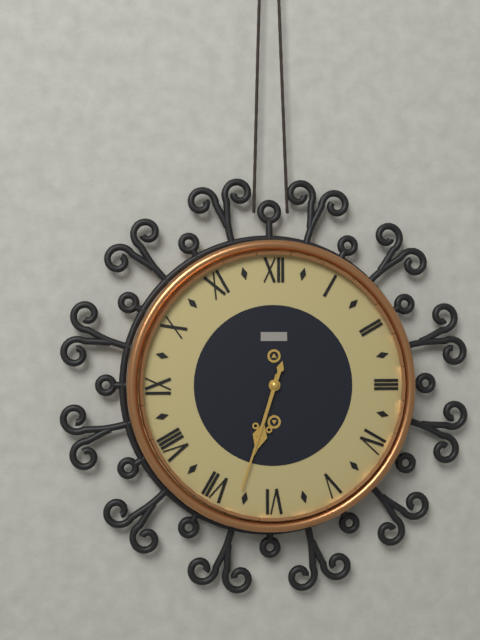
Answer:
6h33
